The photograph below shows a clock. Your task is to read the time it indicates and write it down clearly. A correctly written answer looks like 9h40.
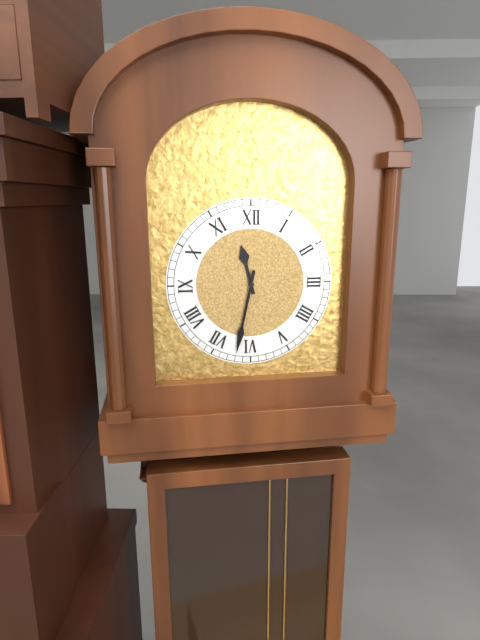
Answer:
11h32
